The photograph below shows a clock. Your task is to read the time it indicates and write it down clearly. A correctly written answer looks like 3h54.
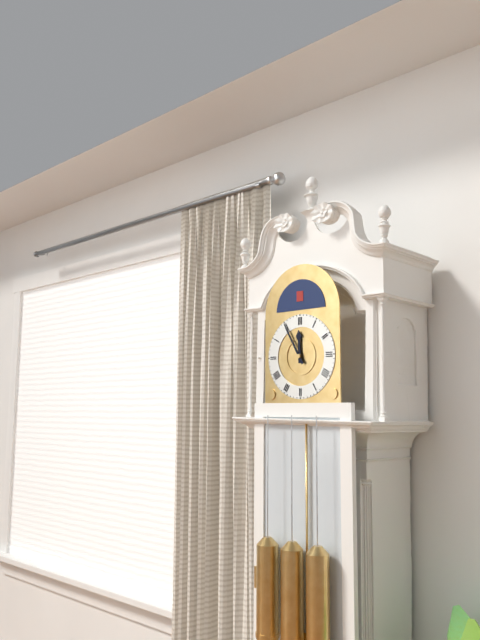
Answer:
11h55
